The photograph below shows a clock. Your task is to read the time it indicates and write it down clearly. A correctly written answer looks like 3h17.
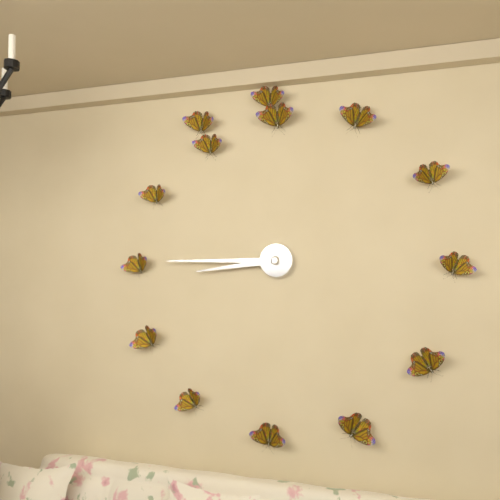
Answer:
8h45
